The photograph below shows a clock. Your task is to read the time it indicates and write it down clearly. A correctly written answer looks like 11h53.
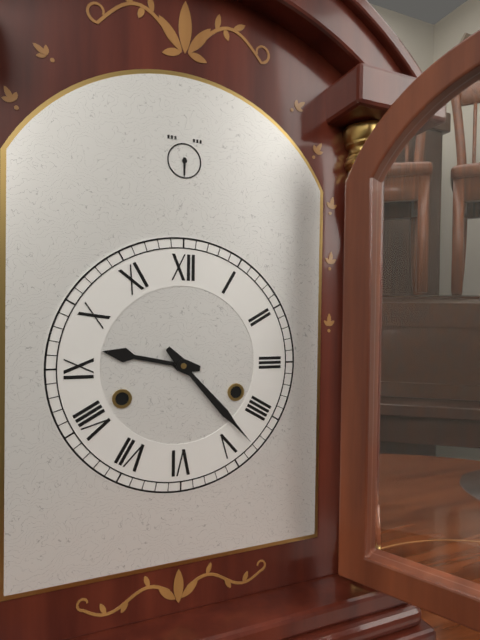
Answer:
9h23
